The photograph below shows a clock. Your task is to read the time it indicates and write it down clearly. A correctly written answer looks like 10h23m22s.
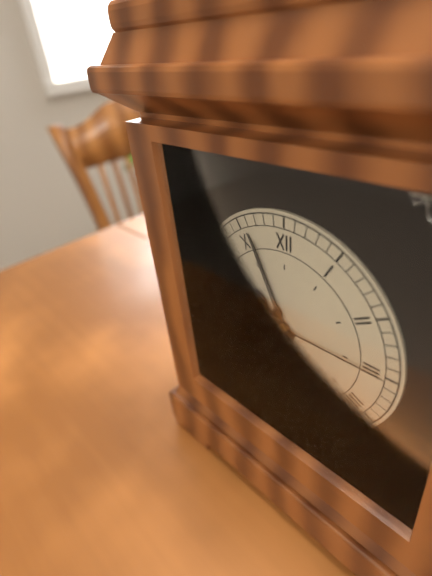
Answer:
9h56m15s
